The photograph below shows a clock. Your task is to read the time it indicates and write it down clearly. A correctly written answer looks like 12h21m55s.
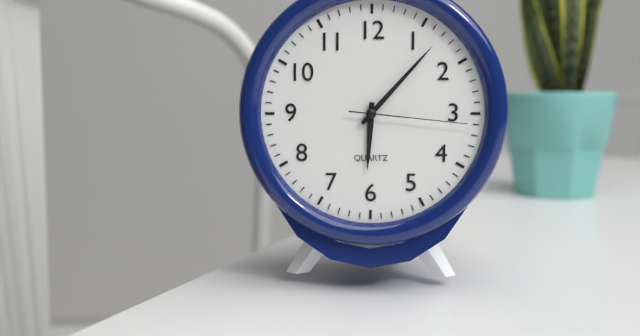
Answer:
6h07m16s
